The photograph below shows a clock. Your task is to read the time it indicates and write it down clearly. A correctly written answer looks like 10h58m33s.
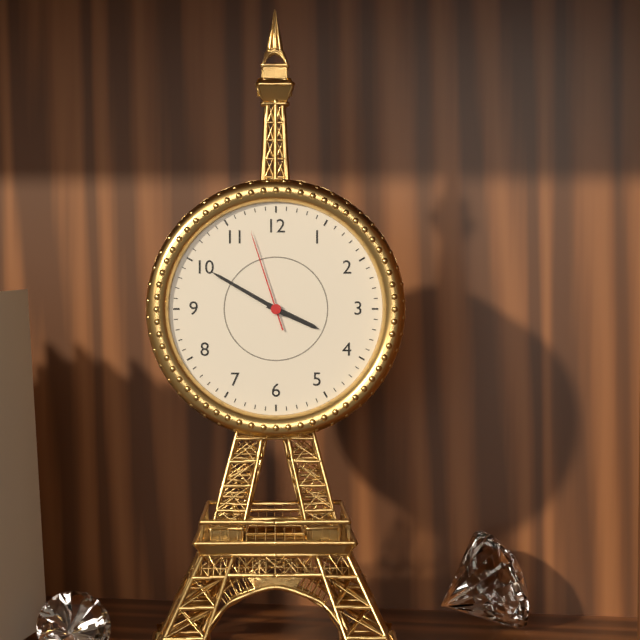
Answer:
3h50m57s
